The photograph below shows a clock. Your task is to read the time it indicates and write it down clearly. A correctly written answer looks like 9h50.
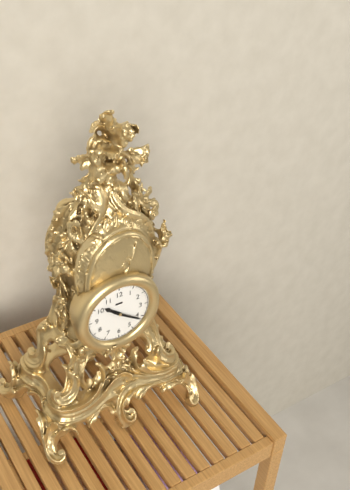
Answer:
10h21
